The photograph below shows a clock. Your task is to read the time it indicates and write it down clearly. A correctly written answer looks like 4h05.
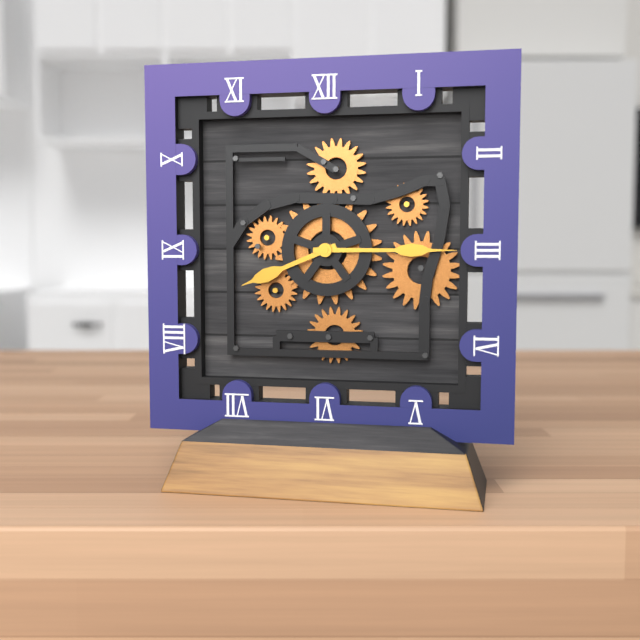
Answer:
8h15
